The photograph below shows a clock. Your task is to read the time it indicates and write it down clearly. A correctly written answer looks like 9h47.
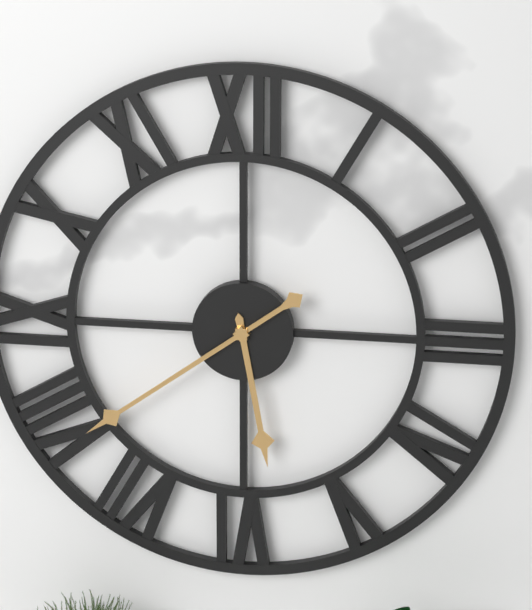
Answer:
5h39
